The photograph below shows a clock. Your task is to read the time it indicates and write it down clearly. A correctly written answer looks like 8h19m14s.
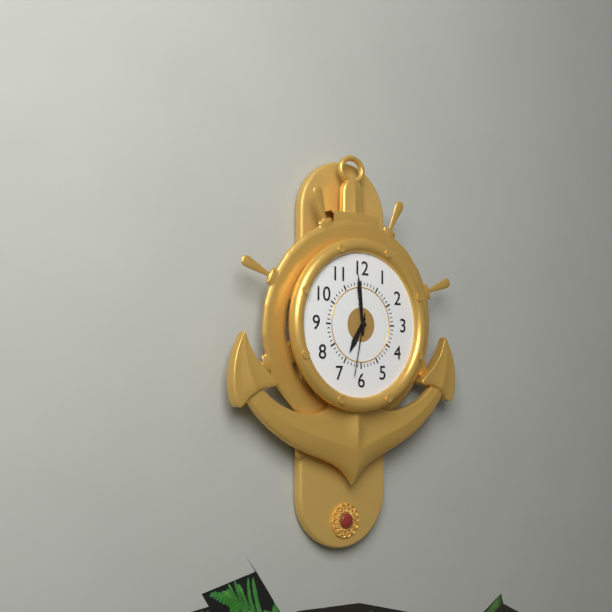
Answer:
6h59m32s
